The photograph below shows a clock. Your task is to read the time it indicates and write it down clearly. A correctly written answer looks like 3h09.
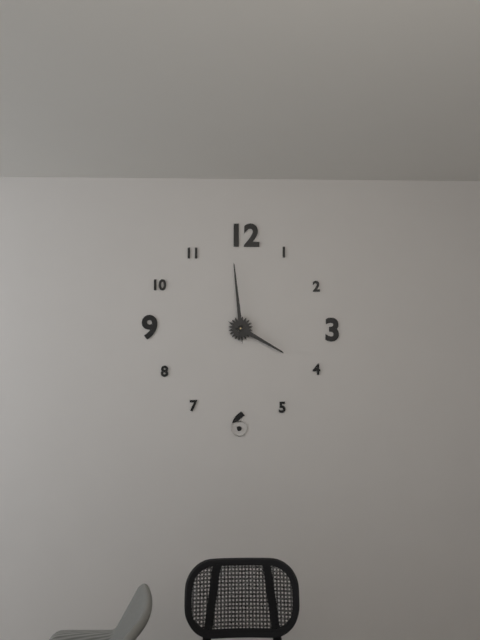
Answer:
3h59
